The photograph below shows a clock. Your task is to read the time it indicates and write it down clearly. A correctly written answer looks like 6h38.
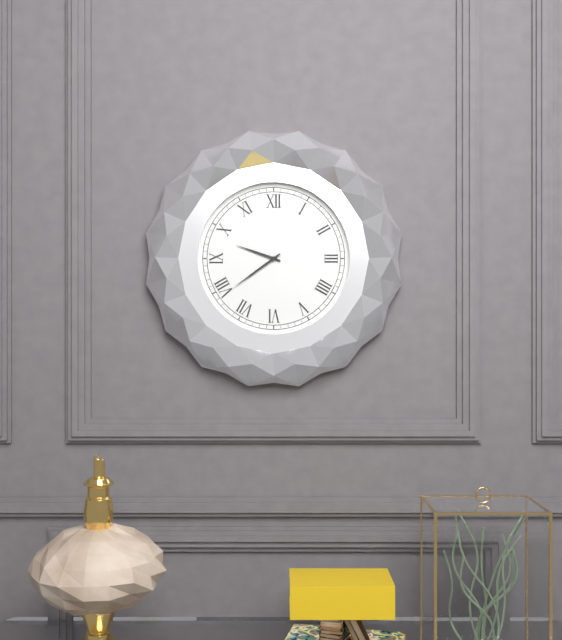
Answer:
9h39
